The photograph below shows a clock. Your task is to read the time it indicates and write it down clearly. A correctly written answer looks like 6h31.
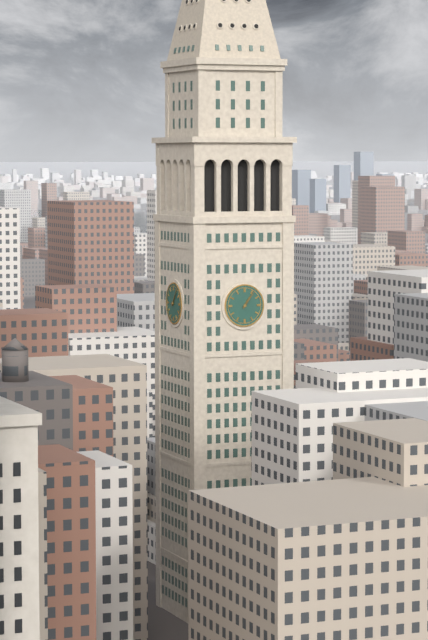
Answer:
1h06
